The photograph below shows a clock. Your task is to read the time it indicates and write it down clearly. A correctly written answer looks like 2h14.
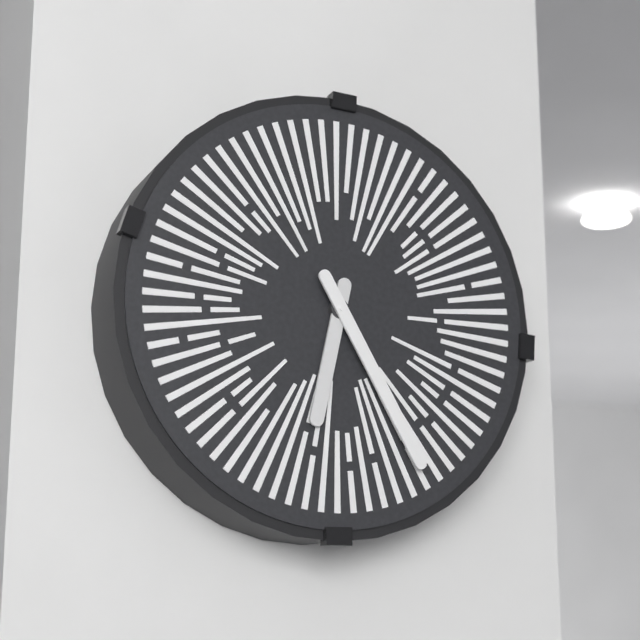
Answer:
6h25
